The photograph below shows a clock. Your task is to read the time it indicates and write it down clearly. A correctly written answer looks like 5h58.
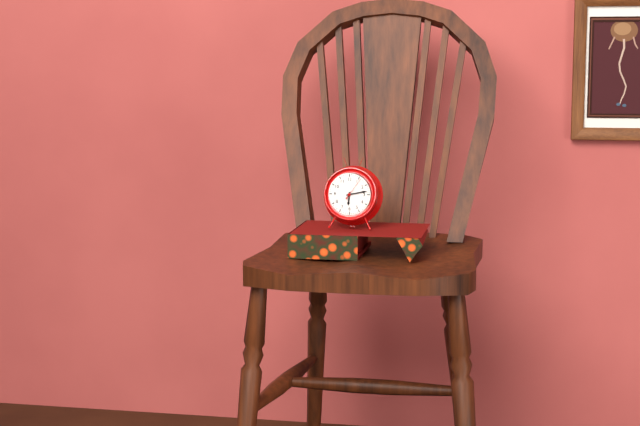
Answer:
6h13
